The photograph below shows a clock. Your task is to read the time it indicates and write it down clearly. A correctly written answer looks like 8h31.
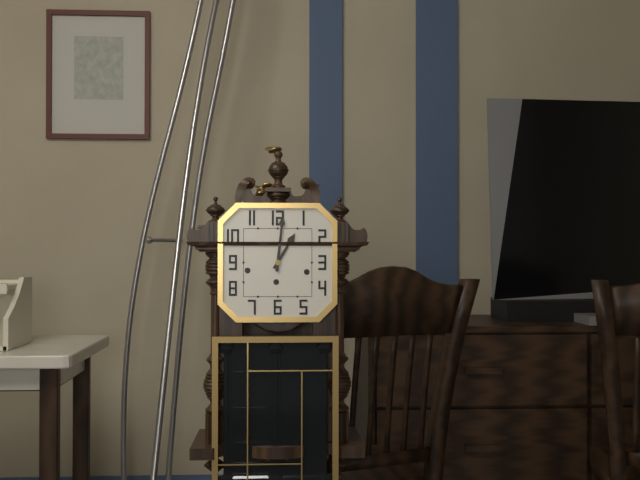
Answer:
1h01
